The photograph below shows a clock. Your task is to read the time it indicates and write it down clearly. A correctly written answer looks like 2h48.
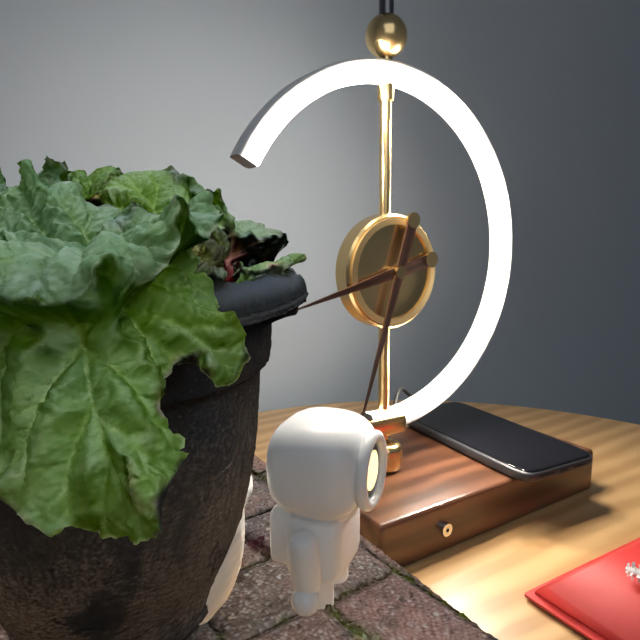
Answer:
8h33
